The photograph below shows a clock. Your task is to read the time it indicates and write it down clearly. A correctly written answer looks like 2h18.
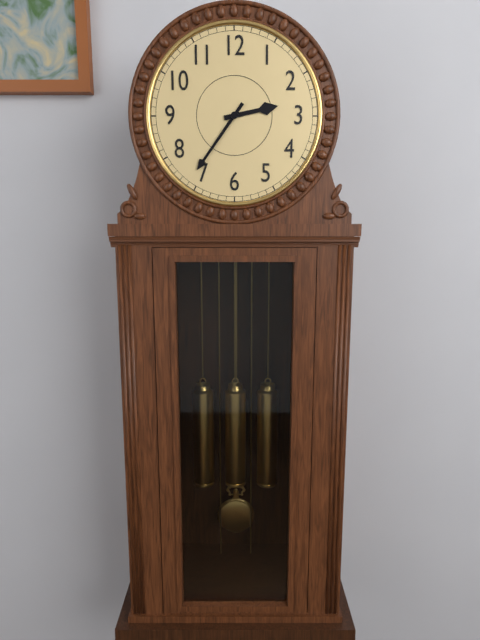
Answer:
2h36
